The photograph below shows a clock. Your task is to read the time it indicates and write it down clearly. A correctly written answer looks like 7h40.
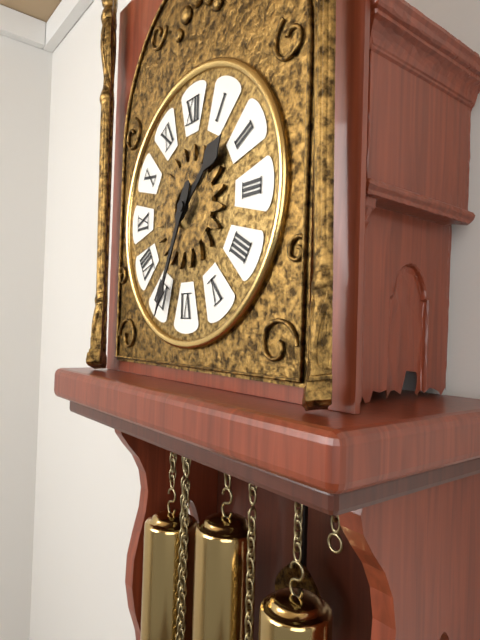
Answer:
1h34
